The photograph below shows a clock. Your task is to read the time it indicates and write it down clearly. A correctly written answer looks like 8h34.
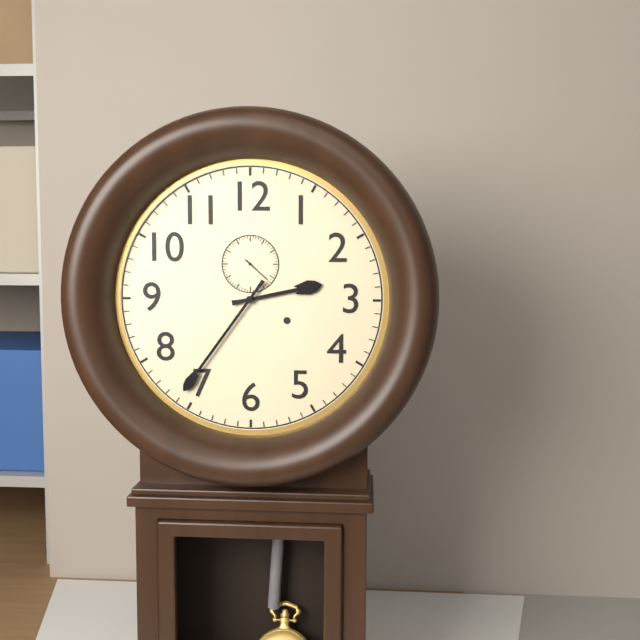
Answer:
2h36
